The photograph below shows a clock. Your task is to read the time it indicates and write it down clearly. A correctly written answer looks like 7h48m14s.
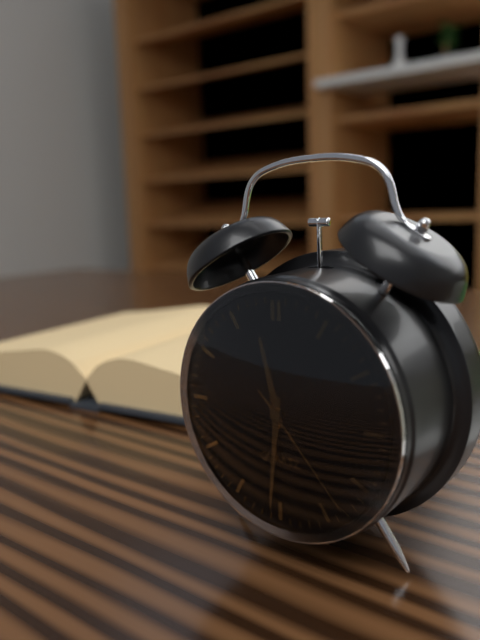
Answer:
11h31m23s
